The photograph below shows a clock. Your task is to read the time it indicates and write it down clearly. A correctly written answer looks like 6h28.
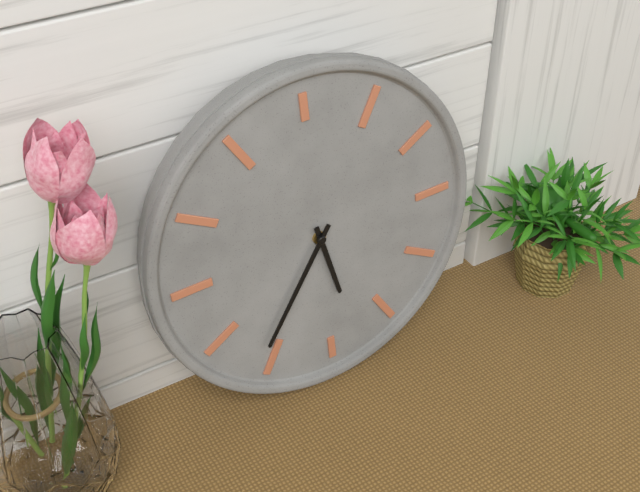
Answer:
5h36
